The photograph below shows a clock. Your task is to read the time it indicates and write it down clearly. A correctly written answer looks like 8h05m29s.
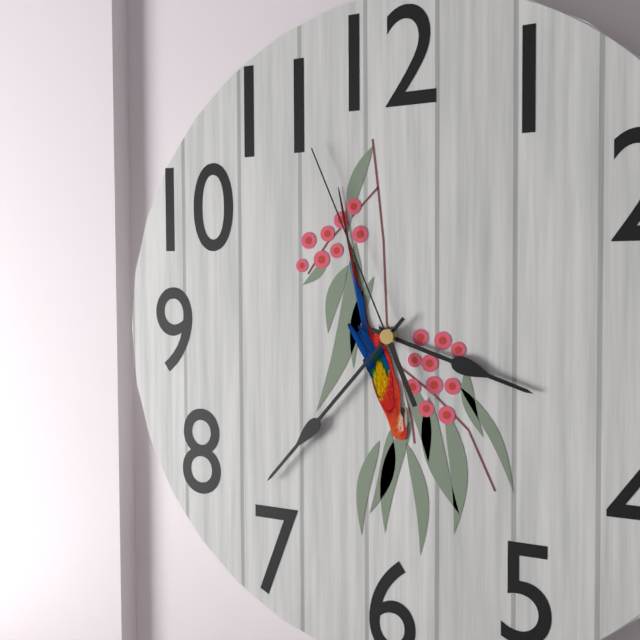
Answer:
3h37m56s
